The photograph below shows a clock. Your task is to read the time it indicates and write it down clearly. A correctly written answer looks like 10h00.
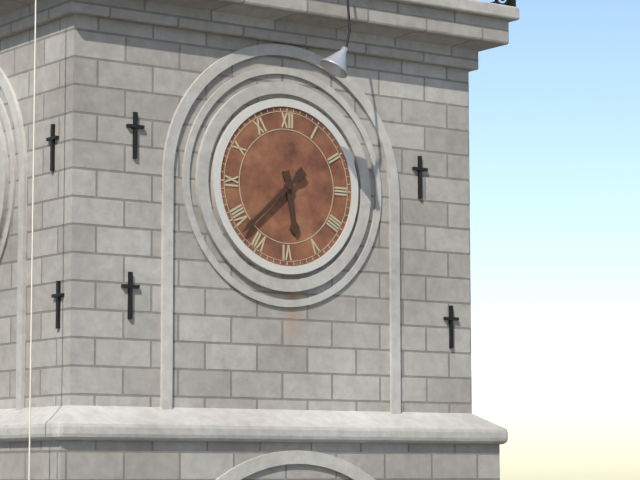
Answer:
5h38
